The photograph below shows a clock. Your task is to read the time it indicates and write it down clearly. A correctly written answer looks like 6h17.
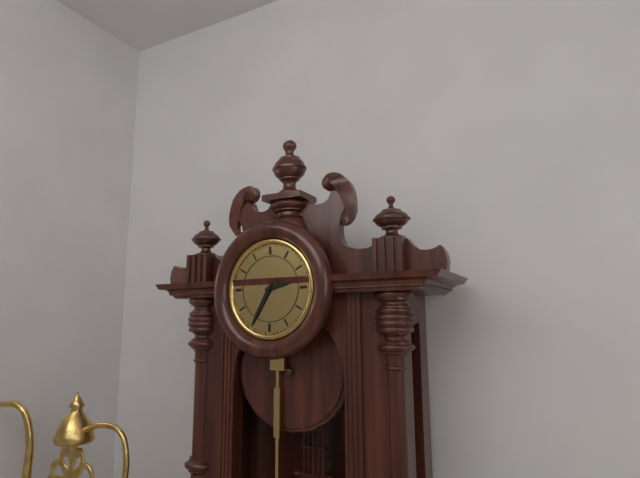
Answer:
2h35
